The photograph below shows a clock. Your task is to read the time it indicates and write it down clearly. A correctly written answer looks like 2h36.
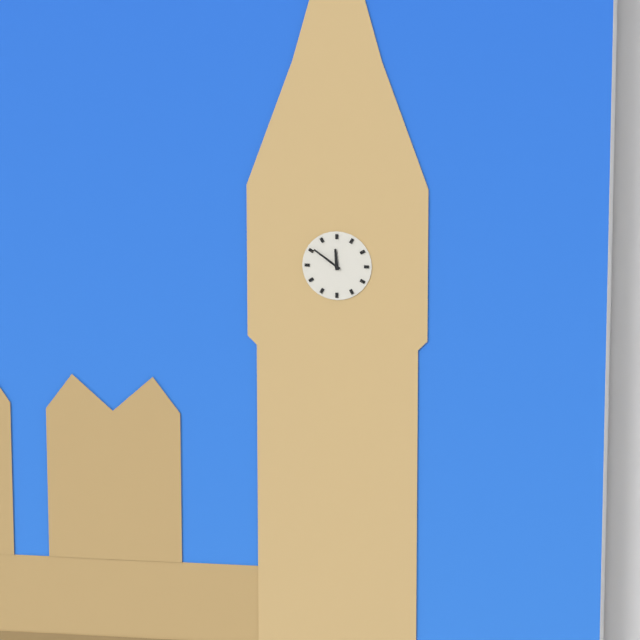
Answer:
11h51
